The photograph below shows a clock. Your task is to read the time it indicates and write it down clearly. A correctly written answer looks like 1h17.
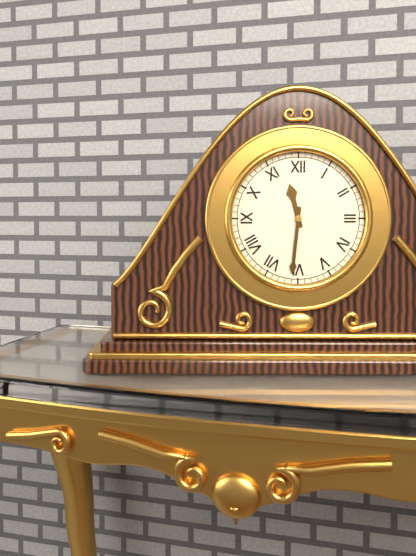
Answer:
11h31
